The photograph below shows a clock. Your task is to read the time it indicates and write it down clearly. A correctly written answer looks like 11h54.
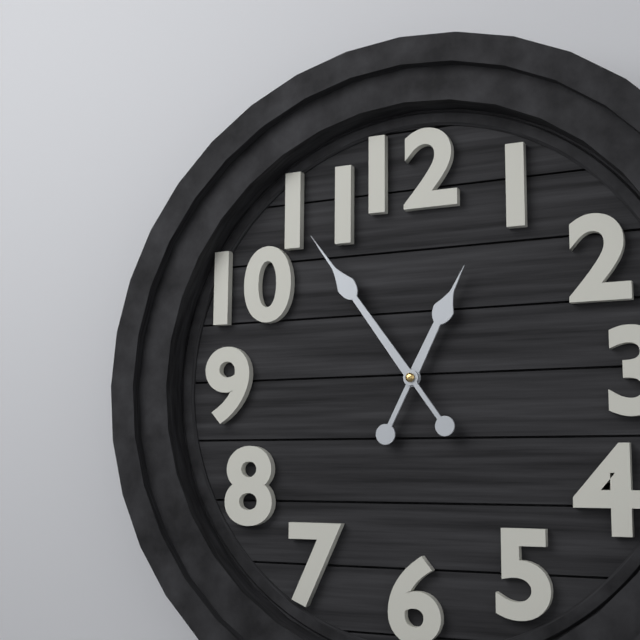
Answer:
12h54
